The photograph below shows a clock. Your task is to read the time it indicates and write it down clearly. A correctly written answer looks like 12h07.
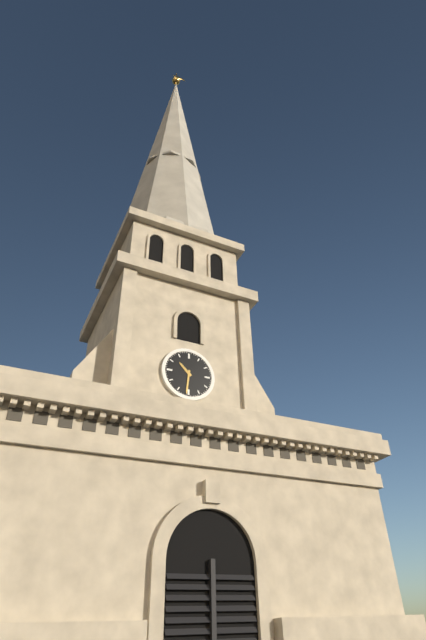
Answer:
10h31
